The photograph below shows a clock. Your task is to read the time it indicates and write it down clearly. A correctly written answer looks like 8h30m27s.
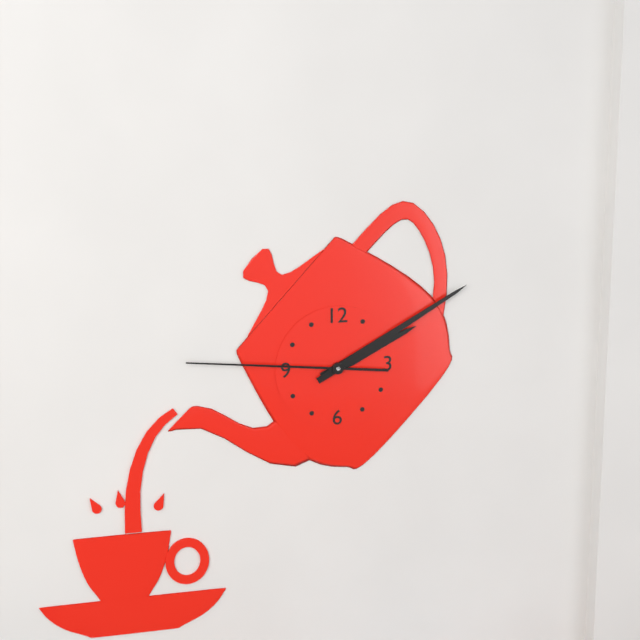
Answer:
2h10m46s
